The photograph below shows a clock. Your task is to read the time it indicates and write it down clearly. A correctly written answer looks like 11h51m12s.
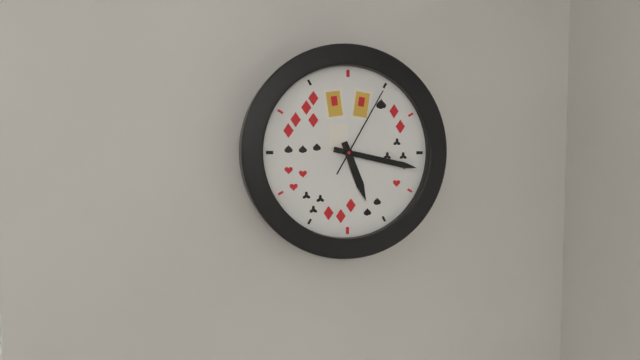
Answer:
5h17m05s
